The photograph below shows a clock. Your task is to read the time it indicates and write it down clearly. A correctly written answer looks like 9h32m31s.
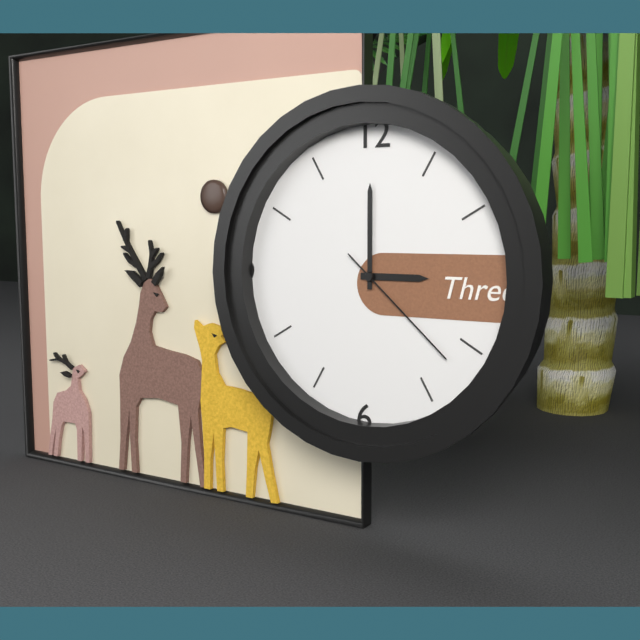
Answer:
3h00m22s
